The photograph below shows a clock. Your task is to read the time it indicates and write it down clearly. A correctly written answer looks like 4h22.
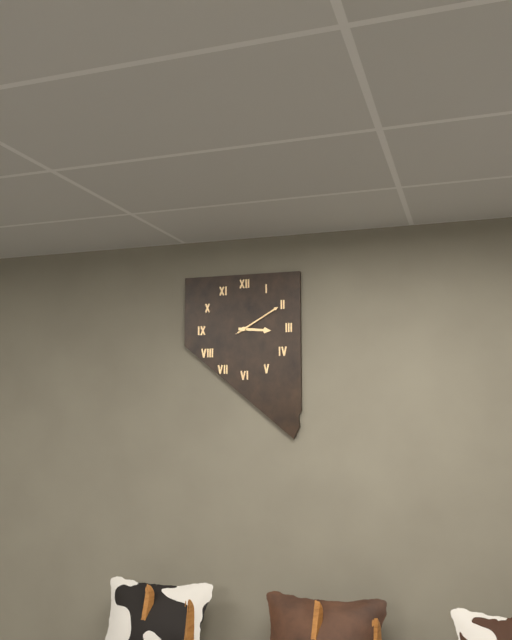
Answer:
3h10
